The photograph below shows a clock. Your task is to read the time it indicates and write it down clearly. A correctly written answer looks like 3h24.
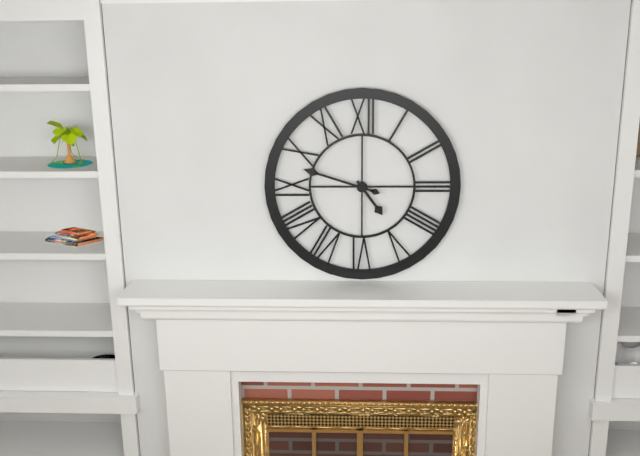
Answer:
4h48
